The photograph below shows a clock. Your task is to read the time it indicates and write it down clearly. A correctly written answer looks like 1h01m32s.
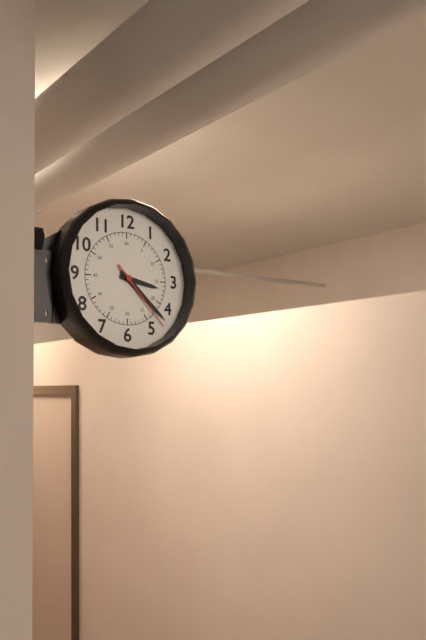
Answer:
3h22m23s
